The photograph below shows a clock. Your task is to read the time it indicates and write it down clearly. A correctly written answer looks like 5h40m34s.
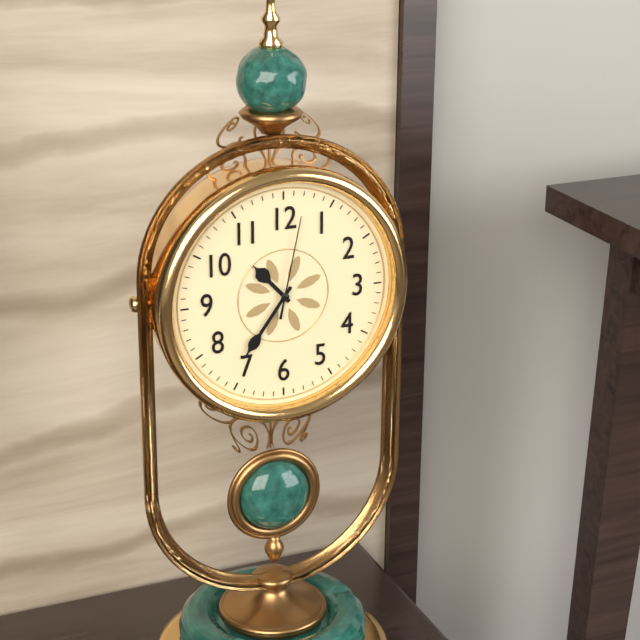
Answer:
10h36m02s
